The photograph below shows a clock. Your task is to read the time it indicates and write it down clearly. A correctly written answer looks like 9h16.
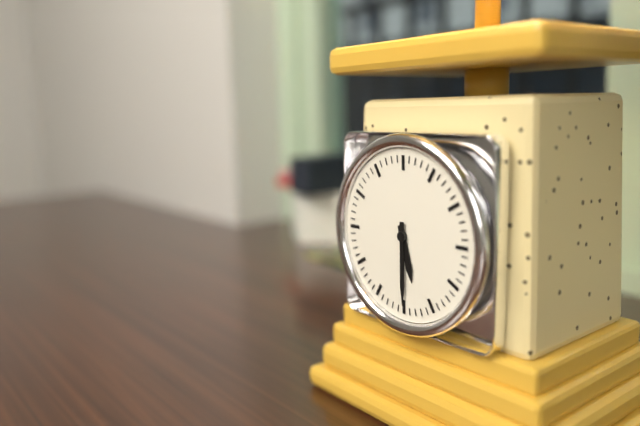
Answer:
5h30
